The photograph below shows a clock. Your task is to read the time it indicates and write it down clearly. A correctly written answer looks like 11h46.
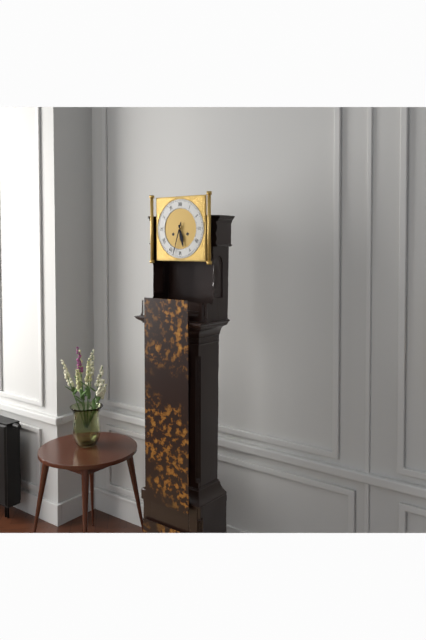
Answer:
5h33
